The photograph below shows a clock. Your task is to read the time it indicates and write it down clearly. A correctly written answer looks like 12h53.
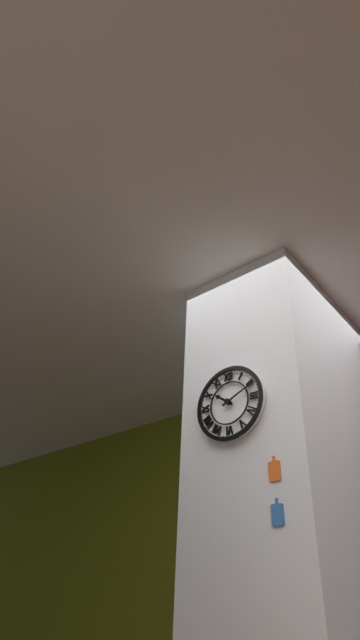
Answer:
10h11
